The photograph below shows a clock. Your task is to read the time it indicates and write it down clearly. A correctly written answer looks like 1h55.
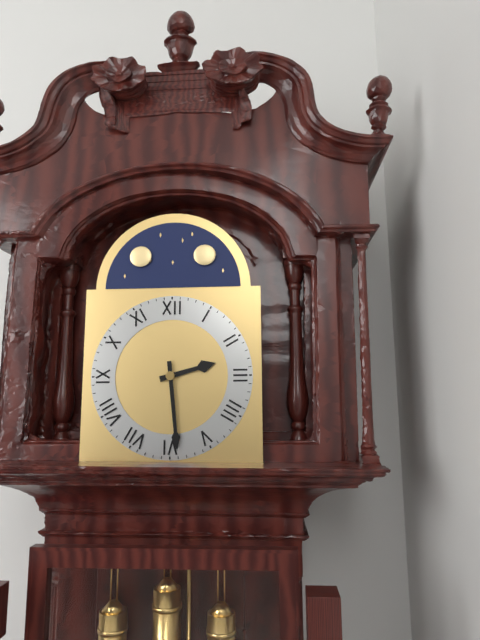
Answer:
2h29
